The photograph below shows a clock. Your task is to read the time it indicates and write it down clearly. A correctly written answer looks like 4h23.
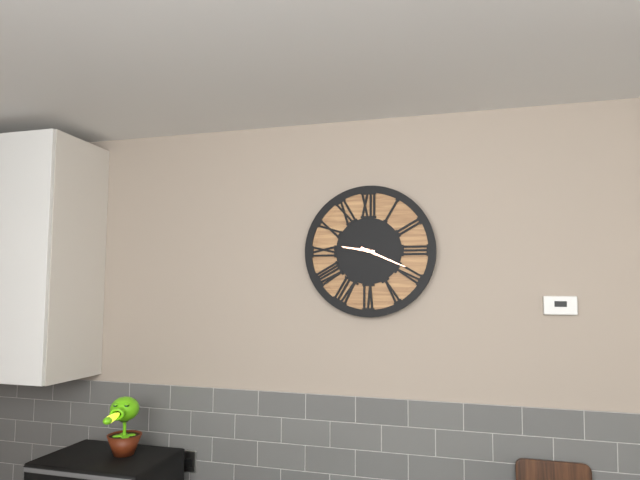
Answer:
9h19
